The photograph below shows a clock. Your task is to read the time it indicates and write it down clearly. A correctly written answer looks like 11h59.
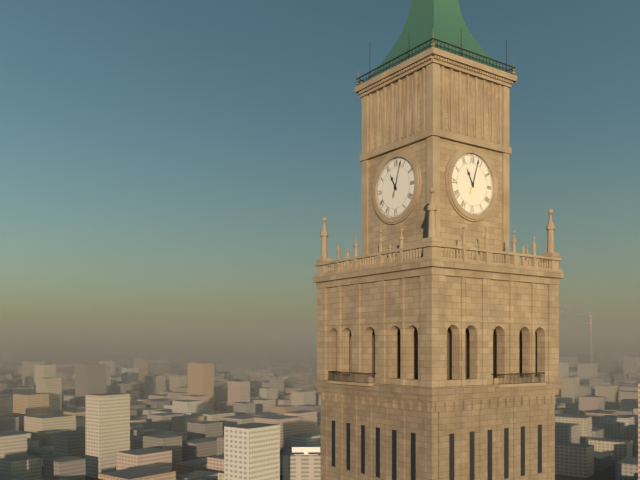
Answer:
11h03
